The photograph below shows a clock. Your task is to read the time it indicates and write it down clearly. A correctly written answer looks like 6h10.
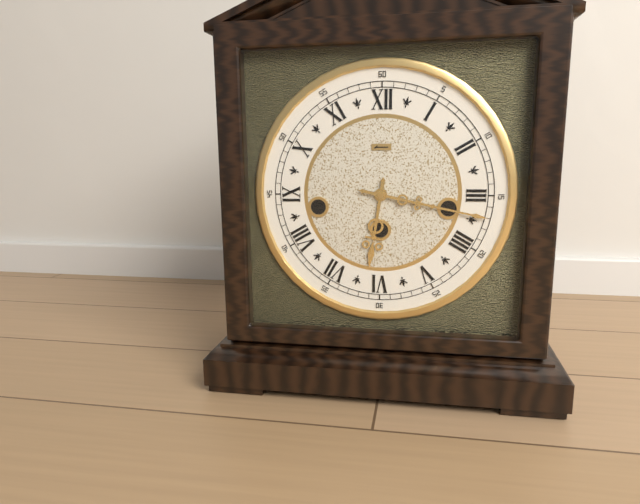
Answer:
6h17
